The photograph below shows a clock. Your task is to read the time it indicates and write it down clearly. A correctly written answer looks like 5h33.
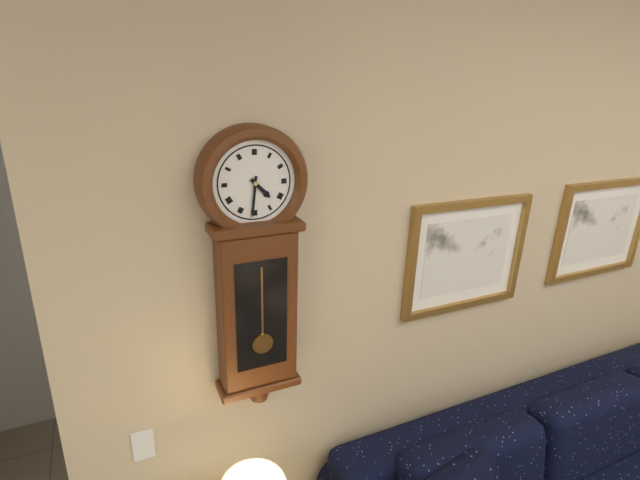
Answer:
4h31
